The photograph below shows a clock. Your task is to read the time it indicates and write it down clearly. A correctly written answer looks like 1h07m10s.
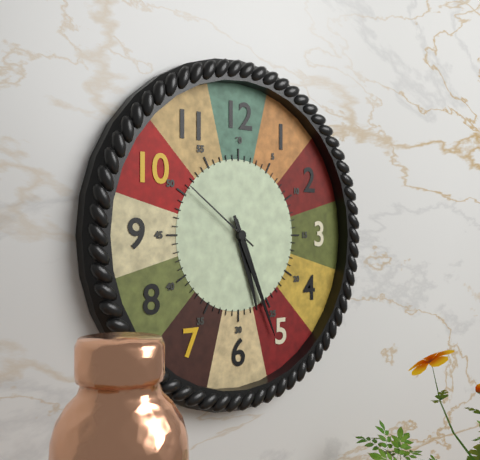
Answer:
5h26m51s
